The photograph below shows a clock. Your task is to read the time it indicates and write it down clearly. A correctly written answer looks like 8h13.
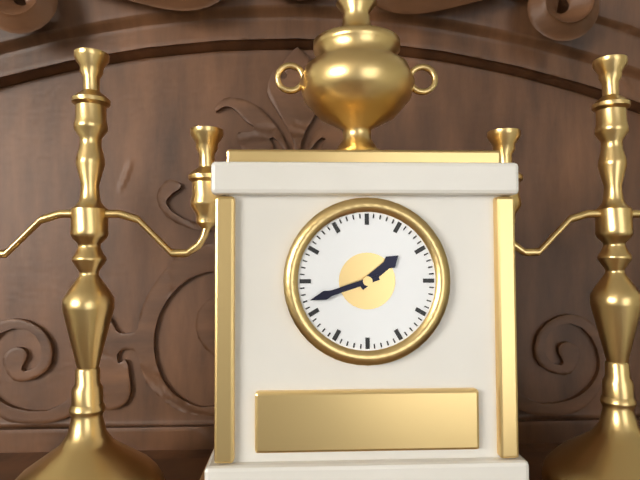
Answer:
1h42
